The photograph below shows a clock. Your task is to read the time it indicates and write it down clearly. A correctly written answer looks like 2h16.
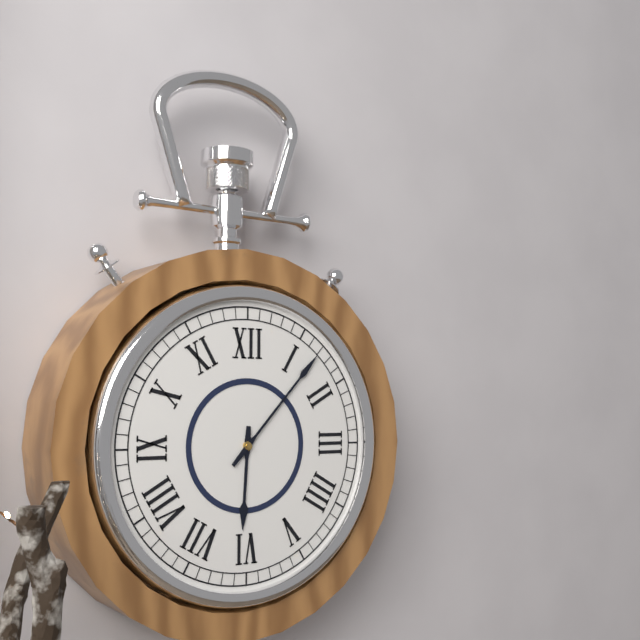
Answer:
6h07
